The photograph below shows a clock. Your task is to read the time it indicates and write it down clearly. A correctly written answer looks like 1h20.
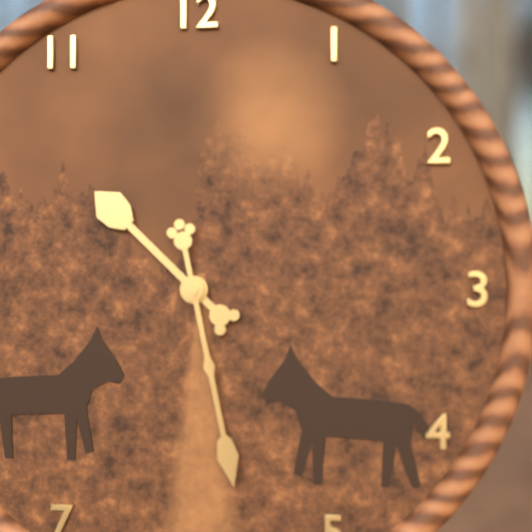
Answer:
10h28
